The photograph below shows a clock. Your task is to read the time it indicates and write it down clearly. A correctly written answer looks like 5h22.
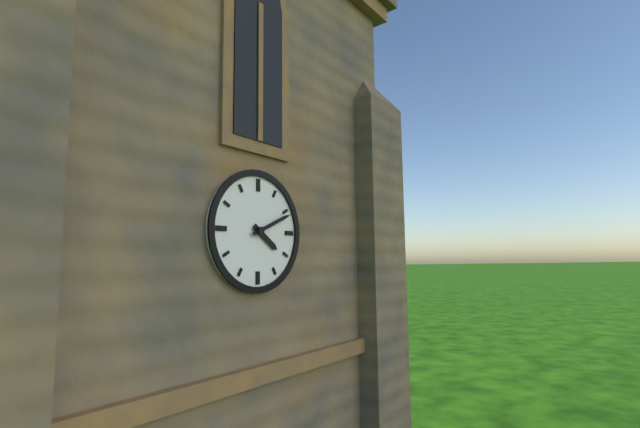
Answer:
4h11
